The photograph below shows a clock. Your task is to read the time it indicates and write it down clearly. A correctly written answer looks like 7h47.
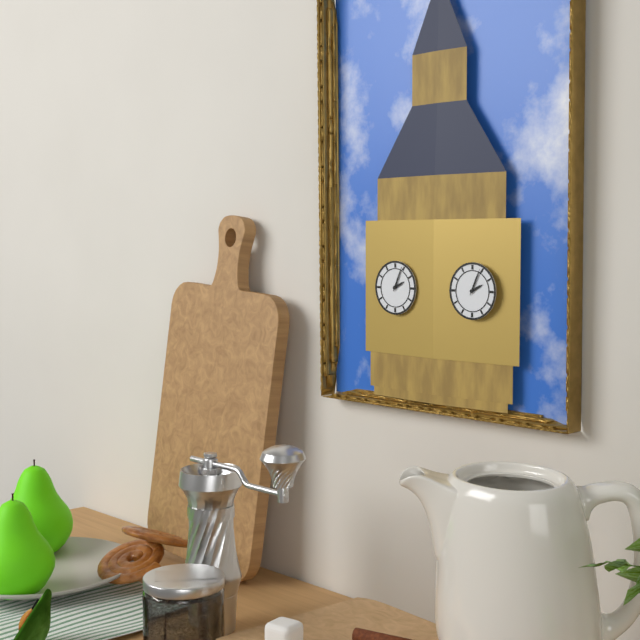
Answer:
2h04
